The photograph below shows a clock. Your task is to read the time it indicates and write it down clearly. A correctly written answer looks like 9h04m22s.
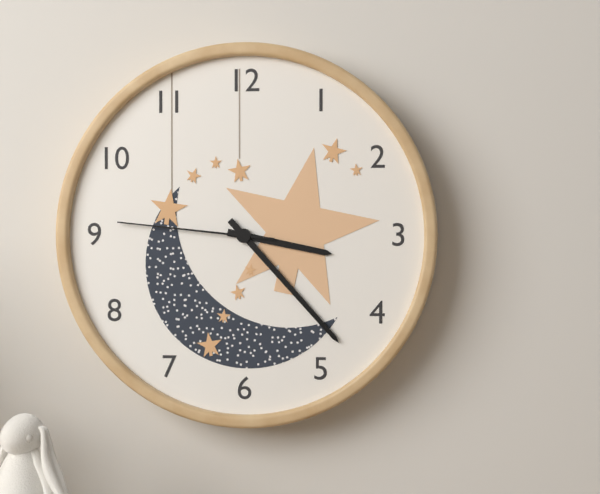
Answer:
3h23m46s
